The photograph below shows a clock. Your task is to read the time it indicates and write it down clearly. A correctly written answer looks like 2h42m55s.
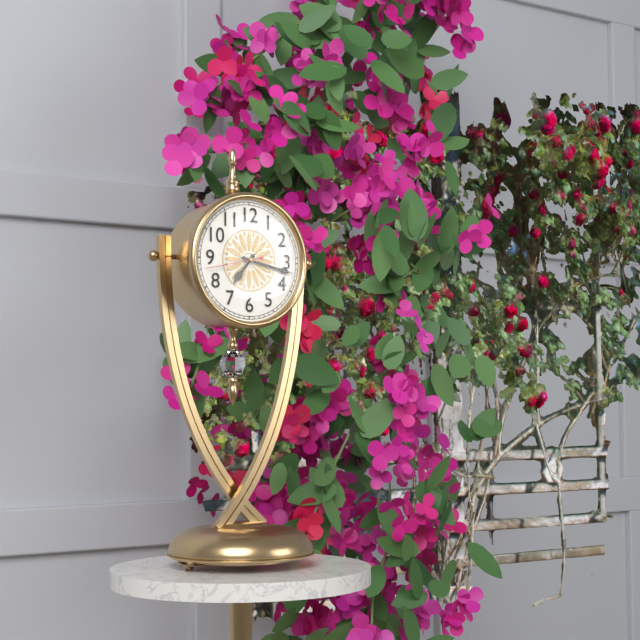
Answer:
7h17m43s
